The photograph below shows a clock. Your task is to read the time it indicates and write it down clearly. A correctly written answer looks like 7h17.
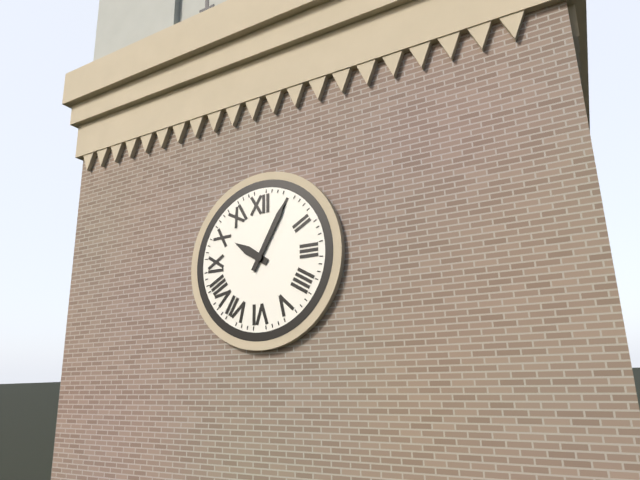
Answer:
10h05
